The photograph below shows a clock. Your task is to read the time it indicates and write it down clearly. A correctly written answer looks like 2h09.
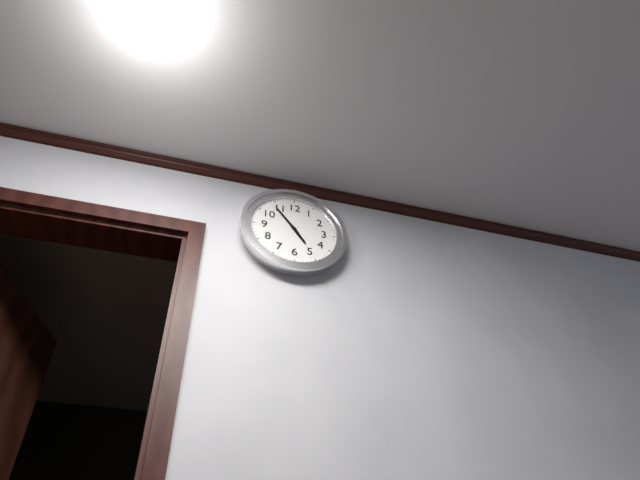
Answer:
4h54
